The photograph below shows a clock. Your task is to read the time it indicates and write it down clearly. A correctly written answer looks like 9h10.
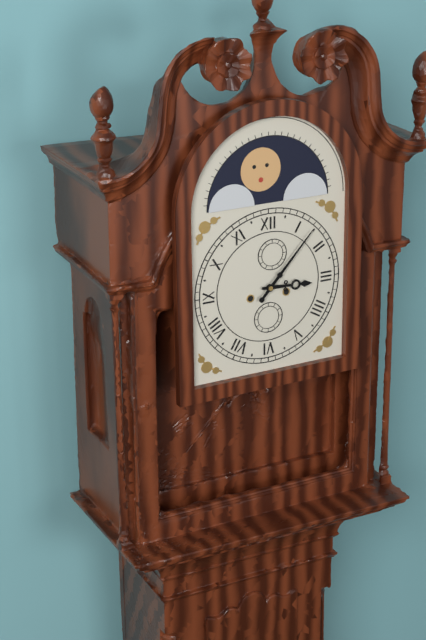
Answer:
3h07
